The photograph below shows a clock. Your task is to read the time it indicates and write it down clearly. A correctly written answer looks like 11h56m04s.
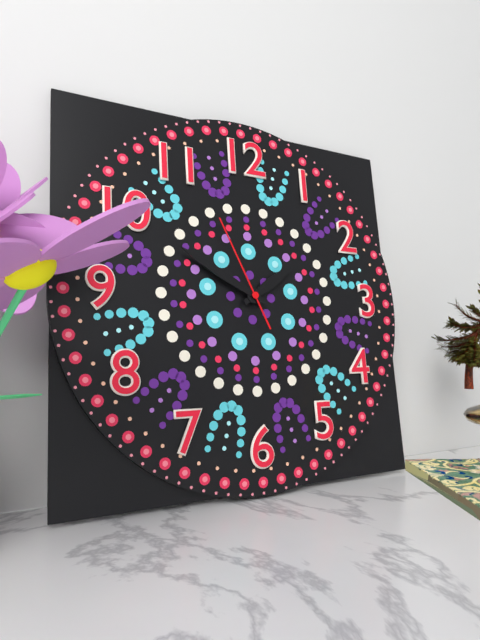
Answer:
1h50m56s
